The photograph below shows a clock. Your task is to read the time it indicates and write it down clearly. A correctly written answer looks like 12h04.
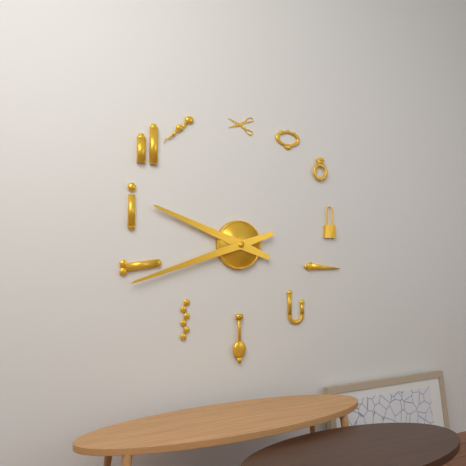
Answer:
9h42
